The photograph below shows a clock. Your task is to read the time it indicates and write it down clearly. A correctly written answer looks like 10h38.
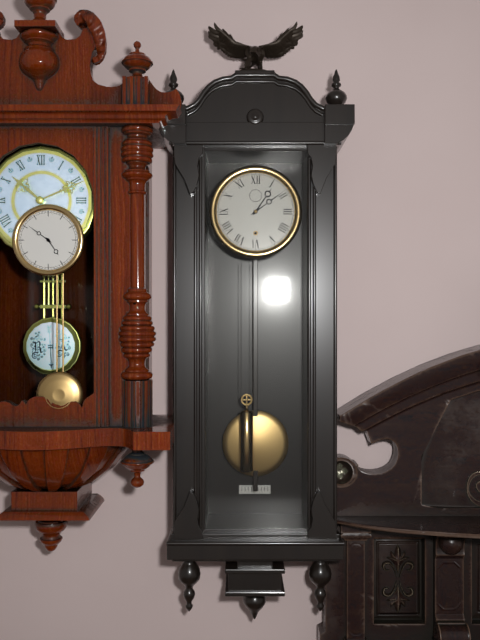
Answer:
1h09
